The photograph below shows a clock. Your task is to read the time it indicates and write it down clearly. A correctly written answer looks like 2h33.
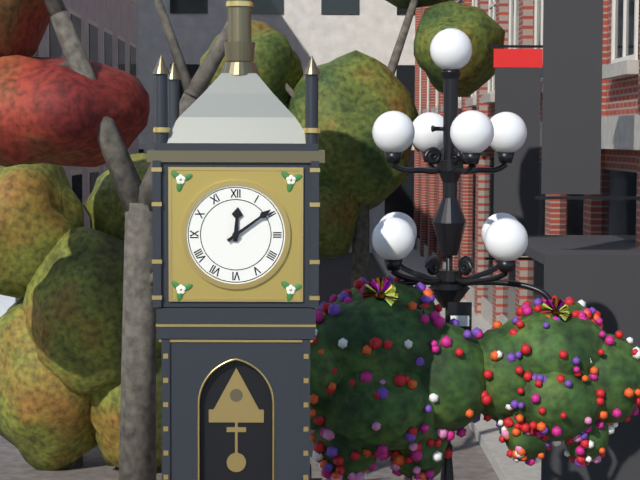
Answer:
12h09
